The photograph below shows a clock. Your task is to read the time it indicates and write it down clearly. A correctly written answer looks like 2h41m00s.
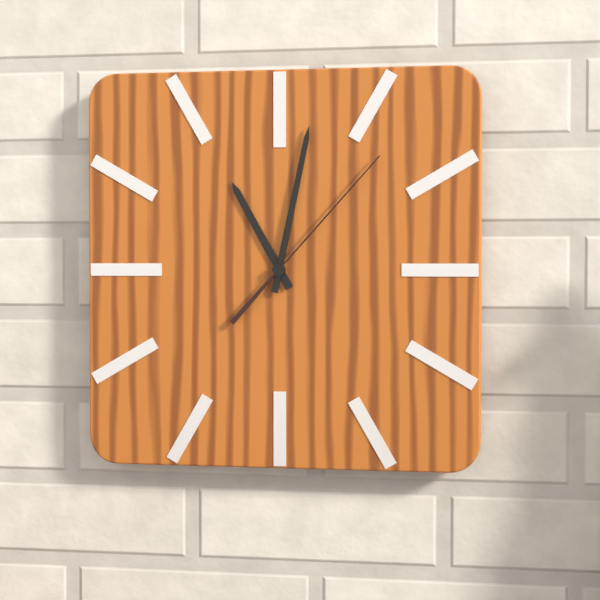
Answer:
11h02m07s
